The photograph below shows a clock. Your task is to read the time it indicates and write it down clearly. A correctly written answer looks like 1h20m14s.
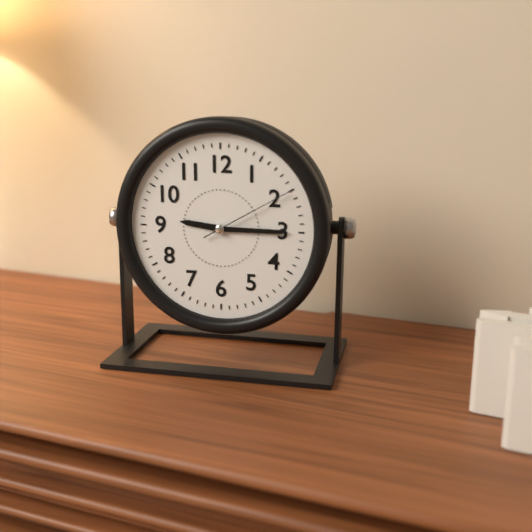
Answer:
9h15m10s
